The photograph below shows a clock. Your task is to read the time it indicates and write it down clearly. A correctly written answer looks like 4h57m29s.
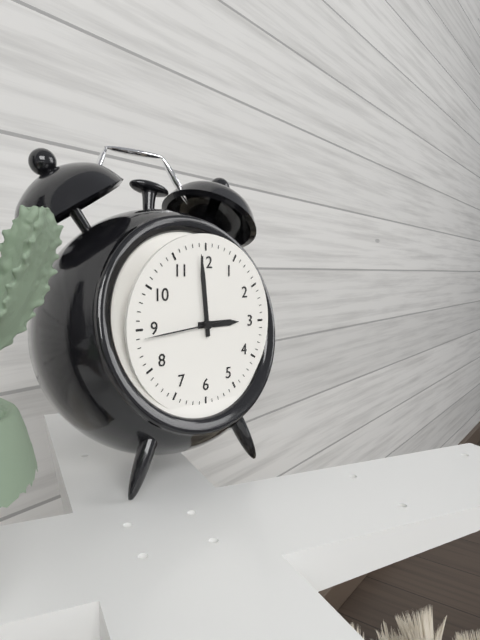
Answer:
2h59m44s
